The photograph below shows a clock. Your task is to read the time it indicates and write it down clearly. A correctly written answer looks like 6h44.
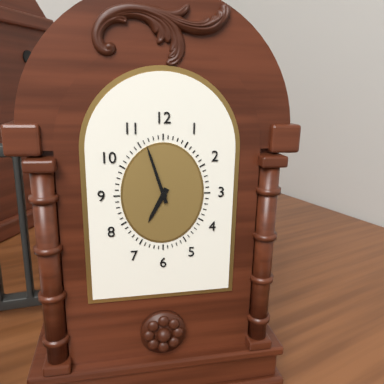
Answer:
6h57
